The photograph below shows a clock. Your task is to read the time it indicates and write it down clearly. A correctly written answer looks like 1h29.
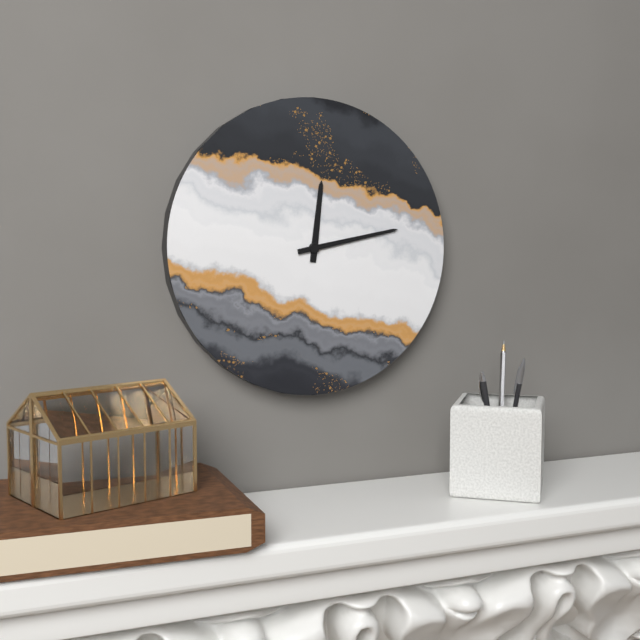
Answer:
12h13
